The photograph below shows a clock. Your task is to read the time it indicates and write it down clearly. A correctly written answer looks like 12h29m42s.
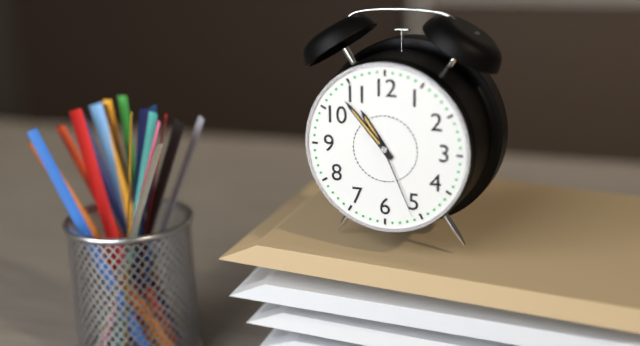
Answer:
10h53m26s
